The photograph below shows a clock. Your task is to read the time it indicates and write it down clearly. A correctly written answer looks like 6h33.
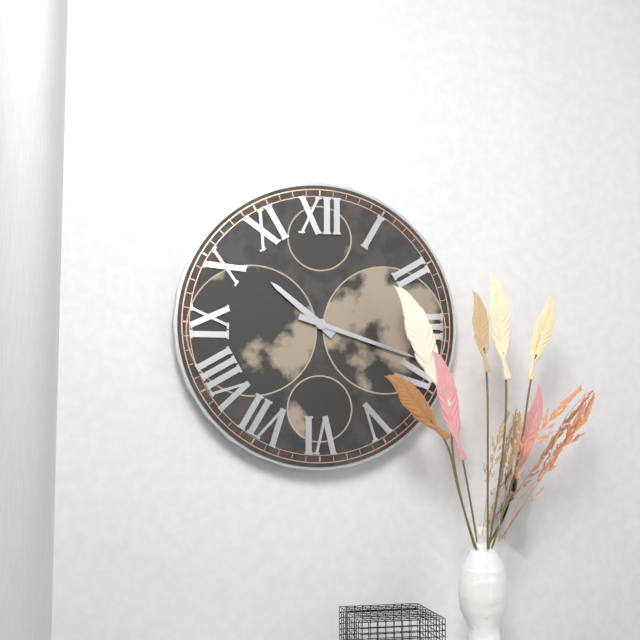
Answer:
10h18
